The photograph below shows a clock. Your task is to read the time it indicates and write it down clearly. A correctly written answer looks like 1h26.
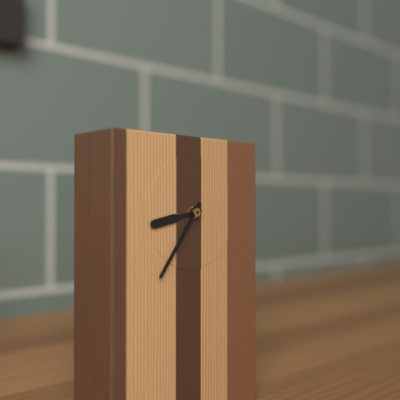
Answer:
8h36
